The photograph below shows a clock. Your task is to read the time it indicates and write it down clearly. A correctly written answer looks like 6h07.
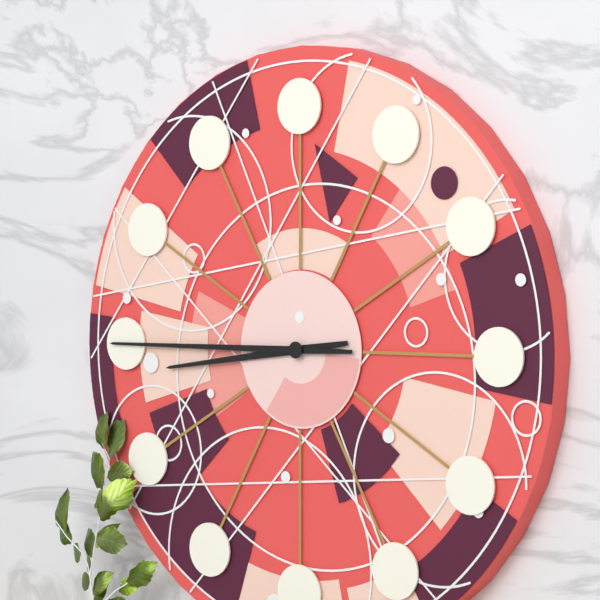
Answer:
8h45
